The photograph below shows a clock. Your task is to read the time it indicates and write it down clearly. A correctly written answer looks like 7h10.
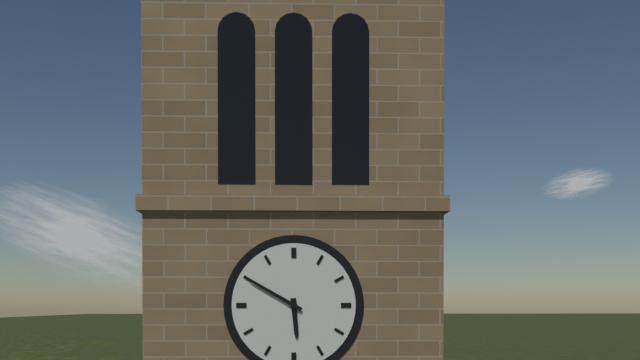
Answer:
5h50
